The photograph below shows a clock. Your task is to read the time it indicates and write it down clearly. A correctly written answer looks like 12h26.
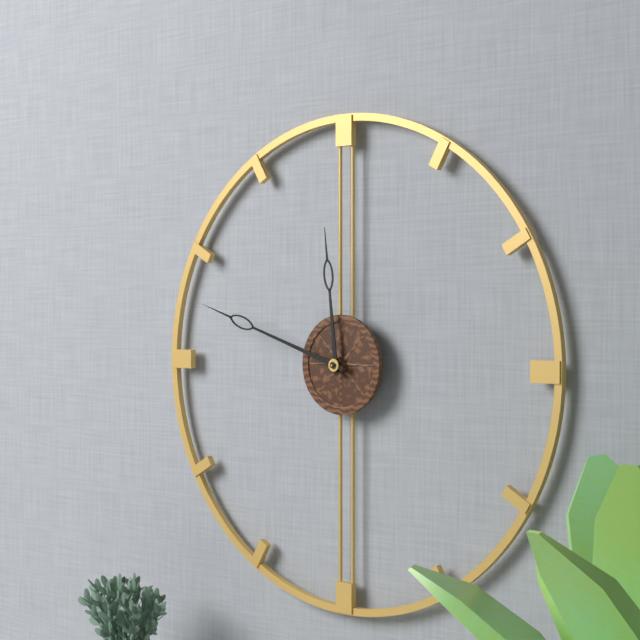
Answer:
11h48
